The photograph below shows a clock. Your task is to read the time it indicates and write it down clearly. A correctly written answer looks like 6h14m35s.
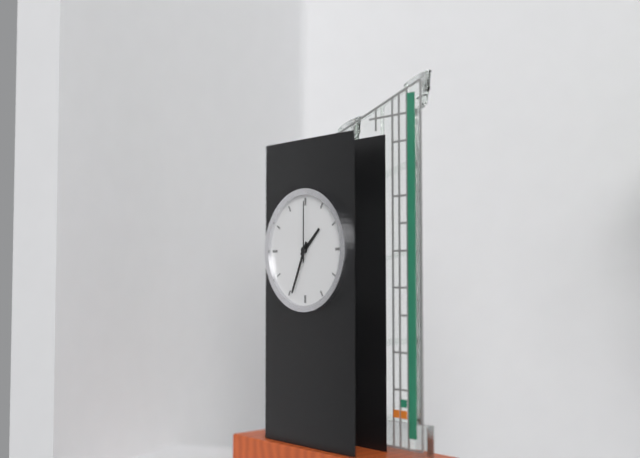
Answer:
1h34m00s
